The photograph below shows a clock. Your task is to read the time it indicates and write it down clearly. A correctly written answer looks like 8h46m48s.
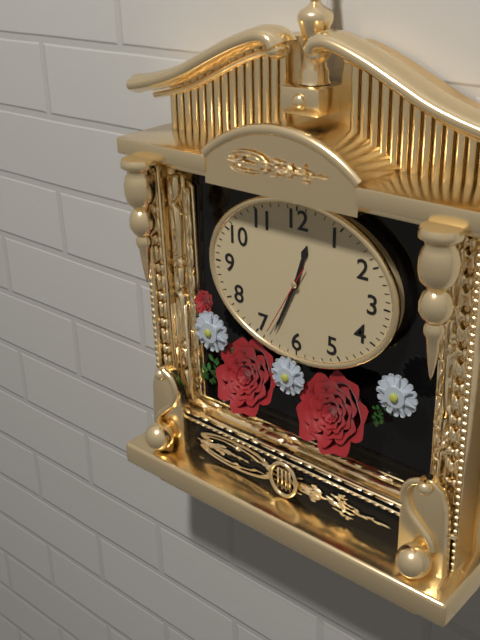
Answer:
12h34m35s
